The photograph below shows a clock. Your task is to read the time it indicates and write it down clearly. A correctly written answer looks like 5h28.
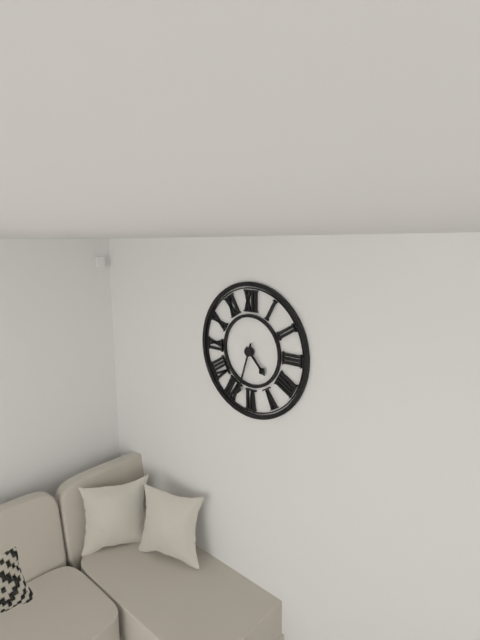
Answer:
4h33
